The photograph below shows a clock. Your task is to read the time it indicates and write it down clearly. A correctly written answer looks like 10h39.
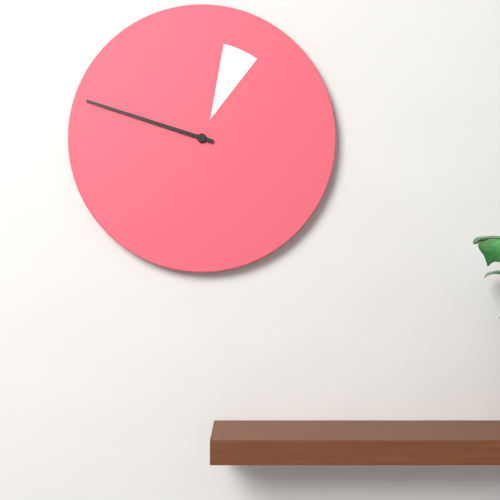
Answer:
12h48
